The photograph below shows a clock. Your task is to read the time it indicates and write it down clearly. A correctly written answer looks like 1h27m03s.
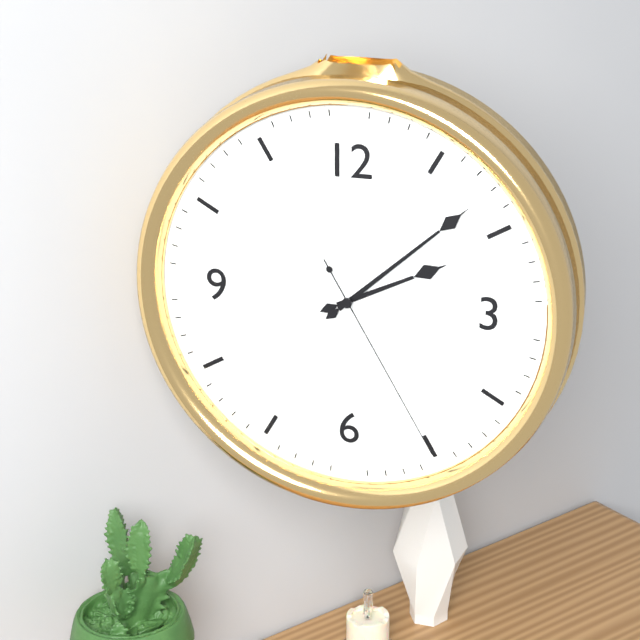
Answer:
2h08m25s
